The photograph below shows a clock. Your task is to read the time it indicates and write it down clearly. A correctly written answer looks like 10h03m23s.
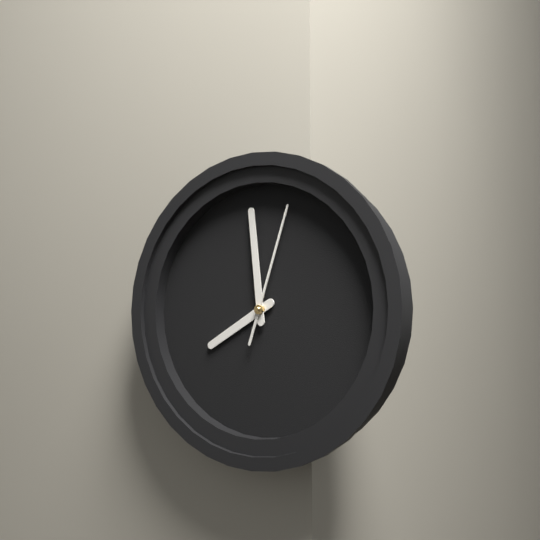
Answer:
7h59m03s
